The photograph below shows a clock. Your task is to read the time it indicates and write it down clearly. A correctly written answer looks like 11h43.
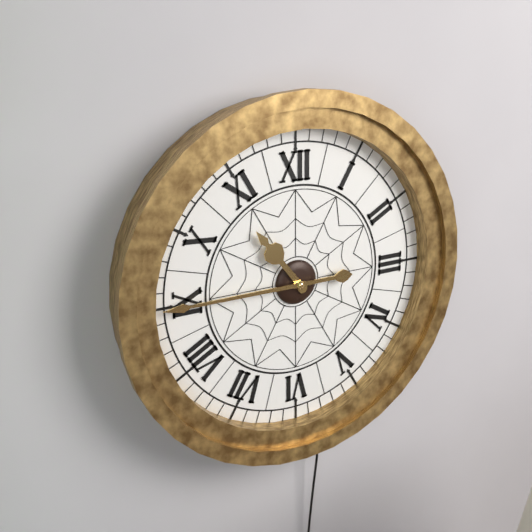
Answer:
10h45
